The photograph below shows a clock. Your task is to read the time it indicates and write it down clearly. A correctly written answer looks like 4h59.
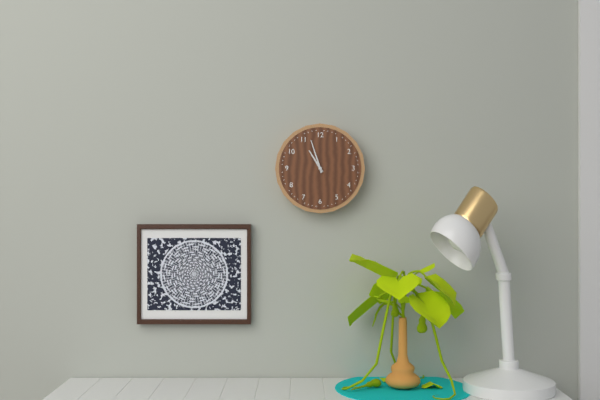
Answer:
10h57
